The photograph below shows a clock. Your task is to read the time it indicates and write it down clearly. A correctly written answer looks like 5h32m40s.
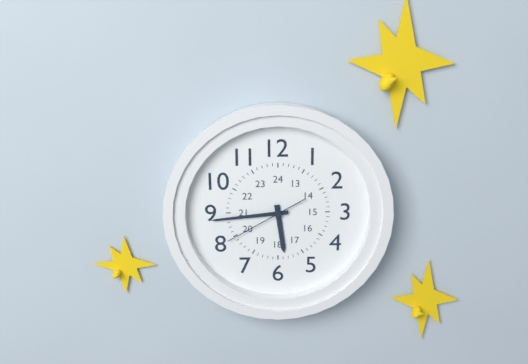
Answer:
5h44m40s
